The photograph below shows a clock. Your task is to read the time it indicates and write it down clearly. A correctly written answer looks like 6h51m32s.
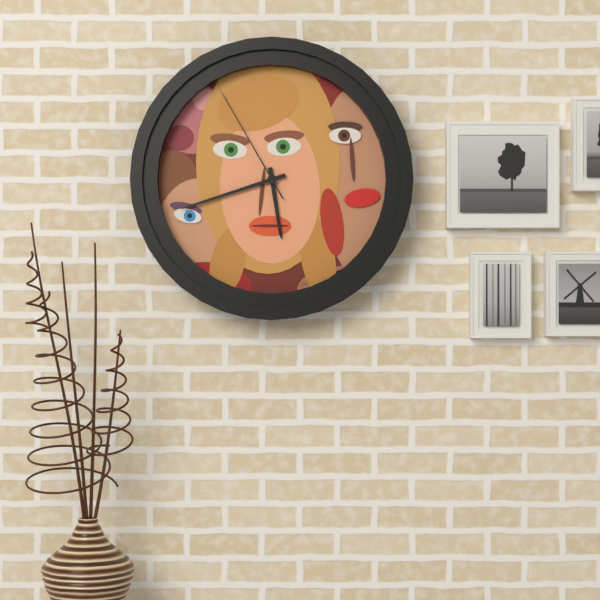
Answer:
5h42m55s
